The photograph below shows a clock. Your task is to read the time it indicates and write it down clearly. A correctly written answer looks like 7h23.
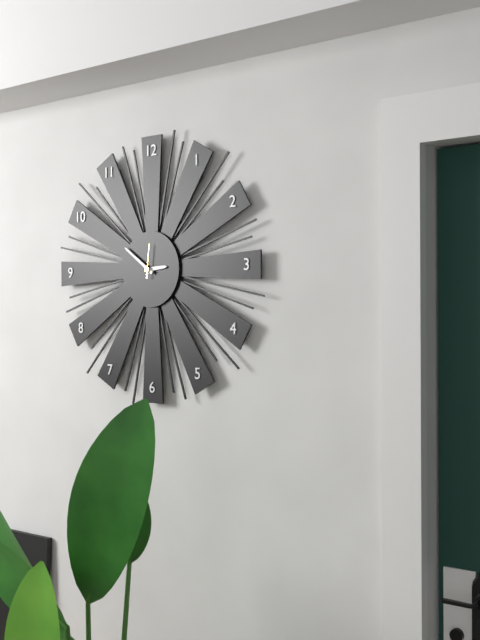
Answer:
2h51
